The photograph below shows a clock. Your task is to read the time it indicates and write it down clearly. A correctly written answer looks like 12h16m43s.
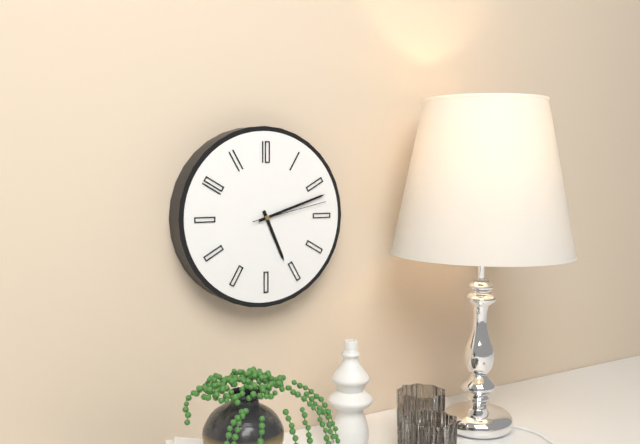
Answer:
5h12m13s
